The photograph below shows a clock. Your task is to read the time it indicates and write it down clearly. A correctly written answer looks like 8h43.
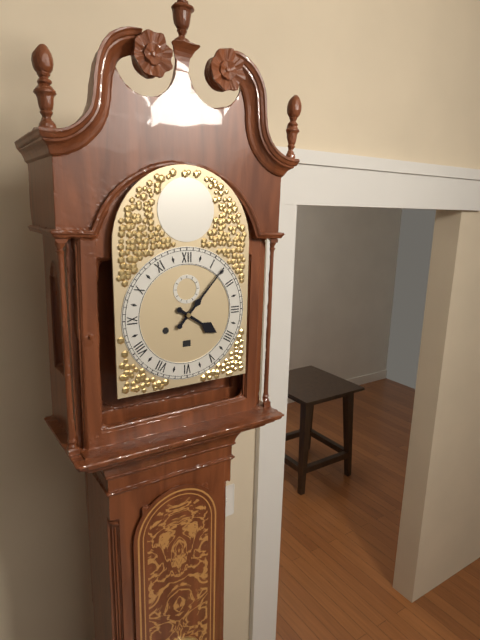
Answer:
4h07
